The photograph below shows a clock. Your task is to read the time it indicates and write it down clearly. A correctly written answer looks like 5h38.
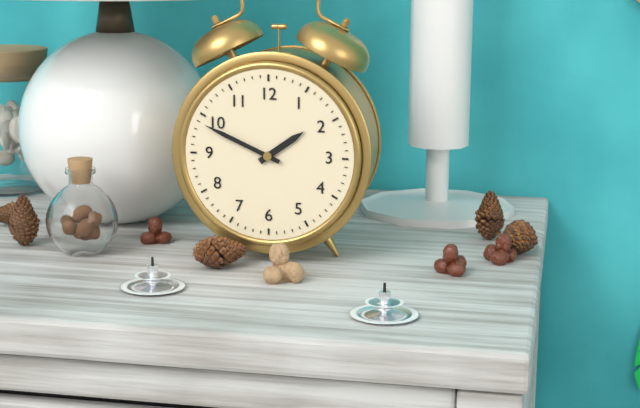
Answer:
1h49
